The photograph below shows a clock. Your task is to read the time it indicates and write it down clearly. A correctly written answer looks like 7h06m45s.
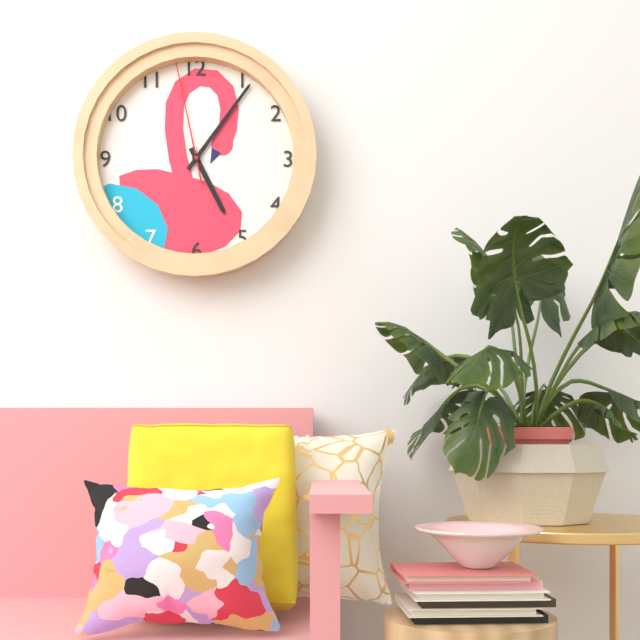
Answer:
5h06m58s
